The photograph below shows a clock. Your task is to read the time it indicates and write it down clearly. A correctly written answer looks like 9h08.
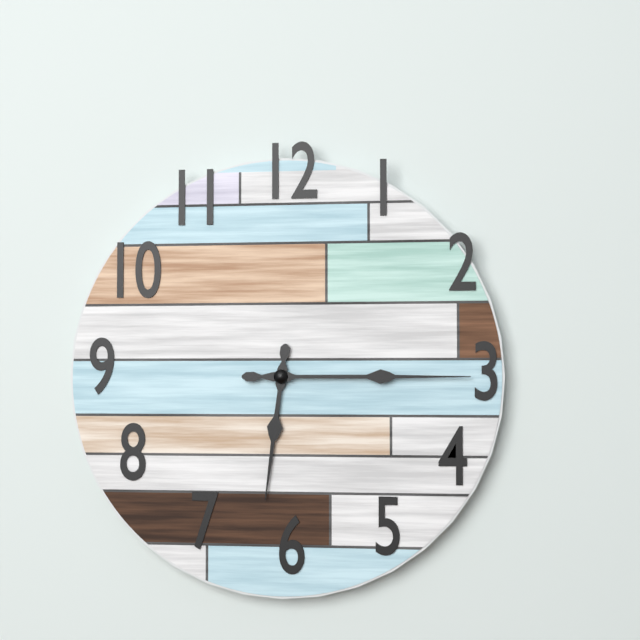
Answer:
6h15
